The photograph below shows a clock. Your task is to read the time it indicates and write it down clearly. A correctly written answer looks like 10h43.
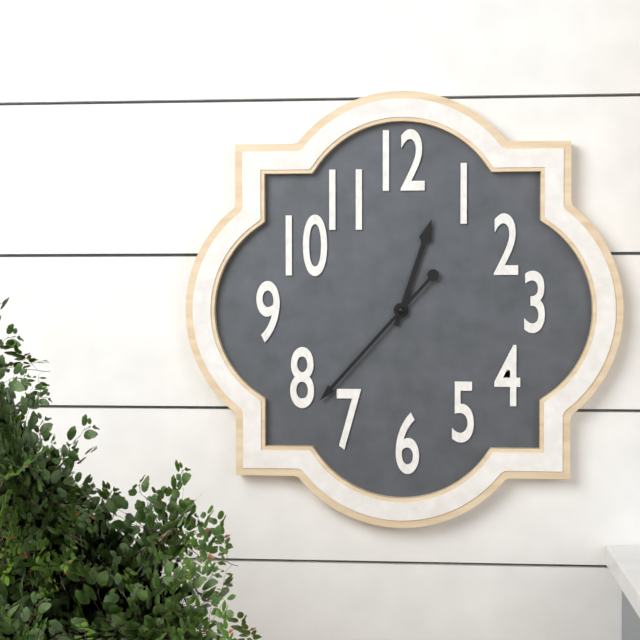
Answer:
12h37
